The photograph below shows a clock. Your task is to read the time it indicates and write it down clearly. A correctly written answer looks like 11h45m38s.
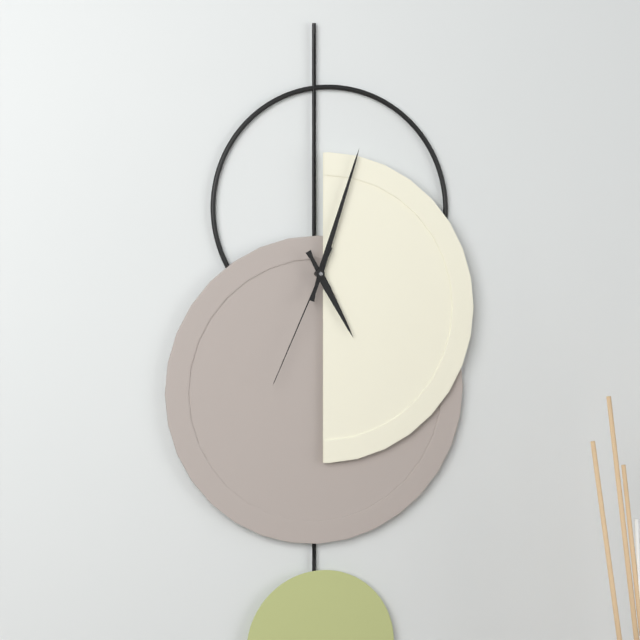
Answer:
5h03m34s
